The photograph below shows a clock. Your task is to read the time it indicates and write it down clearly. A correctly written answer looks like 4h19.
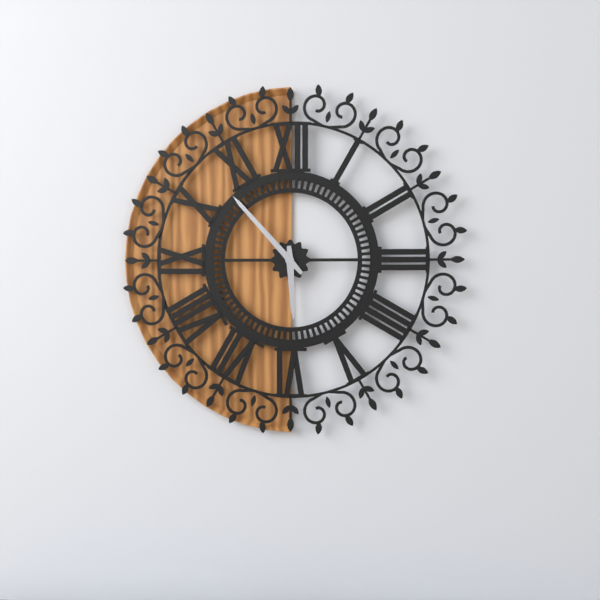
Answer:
5h53
